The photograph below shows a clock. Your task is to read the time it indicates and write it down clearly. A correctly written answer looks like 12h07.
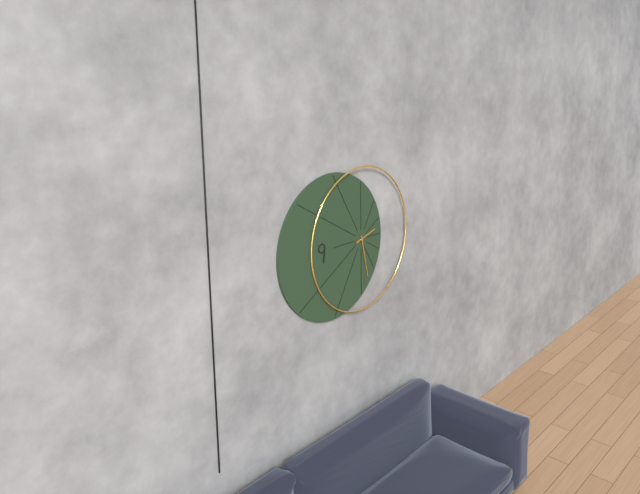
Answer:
2h28
